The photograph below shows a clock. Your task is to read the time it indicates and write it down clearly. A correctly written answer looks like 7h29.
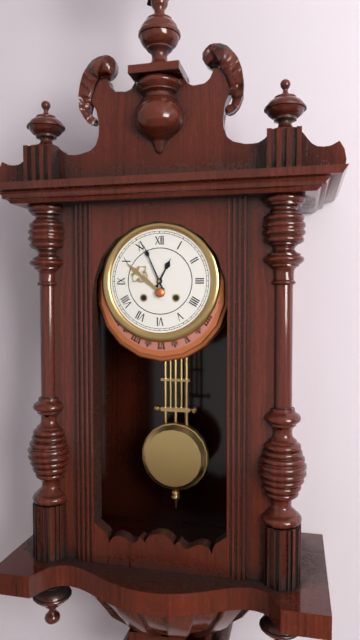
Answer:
12h56
